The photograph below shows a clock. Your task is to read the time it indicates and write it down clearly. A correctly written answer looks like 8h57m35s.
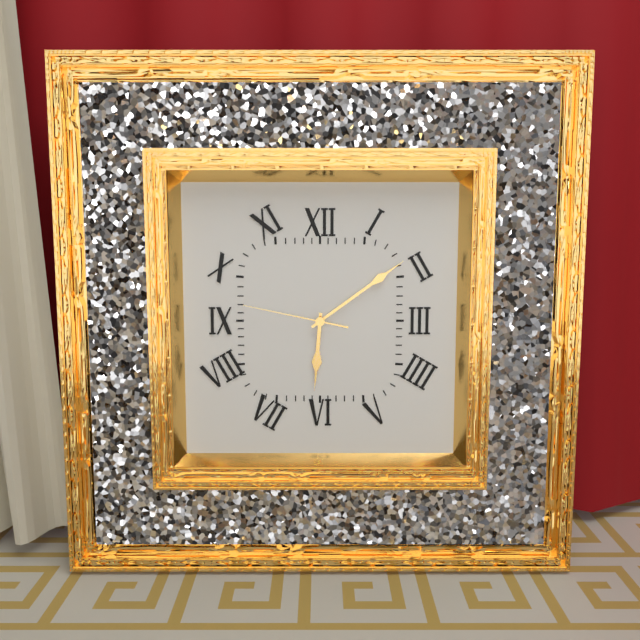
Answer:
6h09m47s
